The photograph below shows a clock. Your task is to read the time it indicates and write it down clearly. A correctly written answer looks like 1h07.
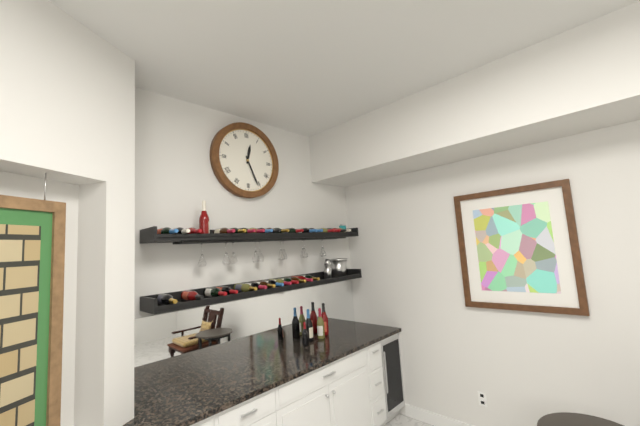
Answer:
12h26
